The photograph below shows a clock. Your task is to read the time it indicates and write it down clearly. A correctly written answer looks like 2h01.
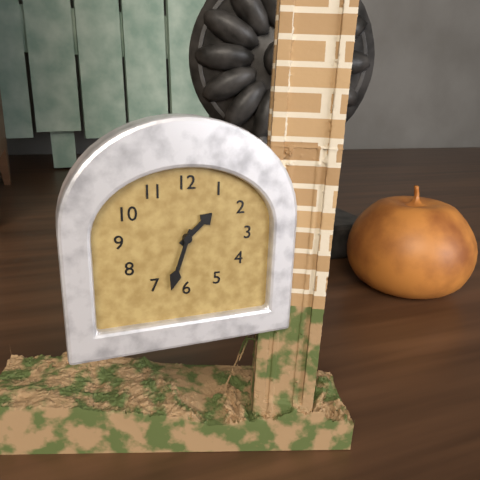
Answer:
1h33
